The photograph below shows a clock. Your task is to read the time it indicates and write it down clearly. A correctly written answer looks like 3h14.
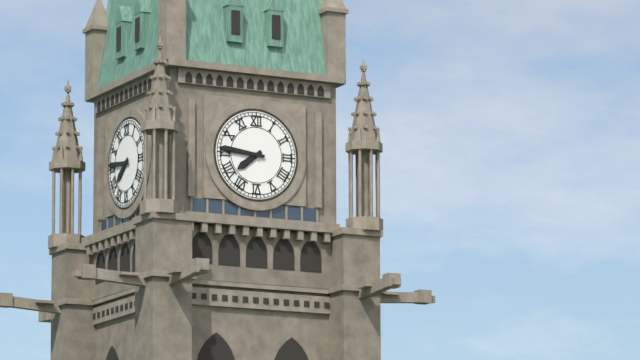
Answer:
7h46
